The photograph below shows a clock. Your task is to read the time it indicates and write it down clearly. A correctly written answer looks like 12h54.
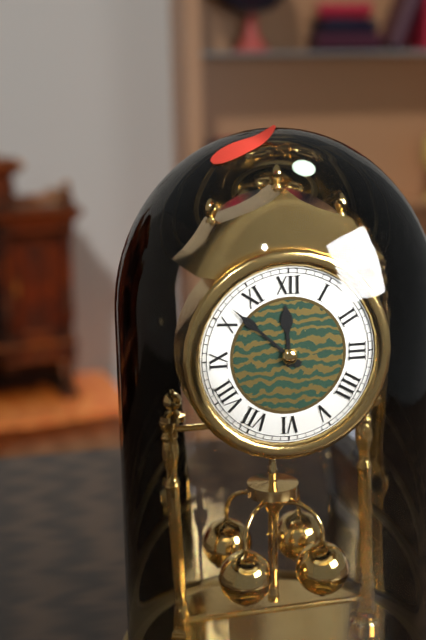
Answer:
11h52
